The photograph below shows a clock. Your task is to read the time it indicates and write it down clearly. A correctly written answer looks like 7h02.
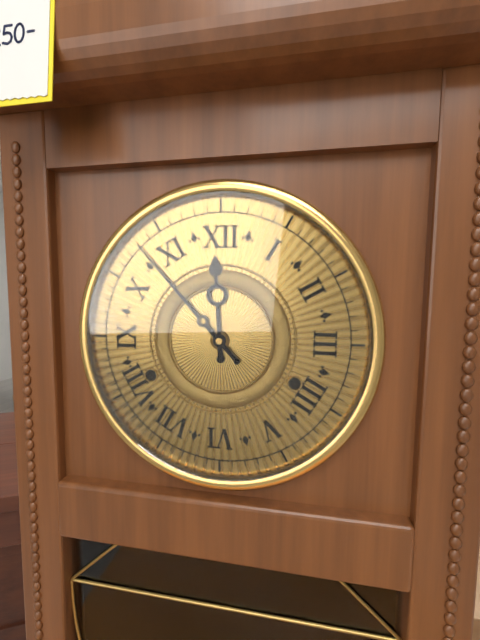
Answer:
11h53
